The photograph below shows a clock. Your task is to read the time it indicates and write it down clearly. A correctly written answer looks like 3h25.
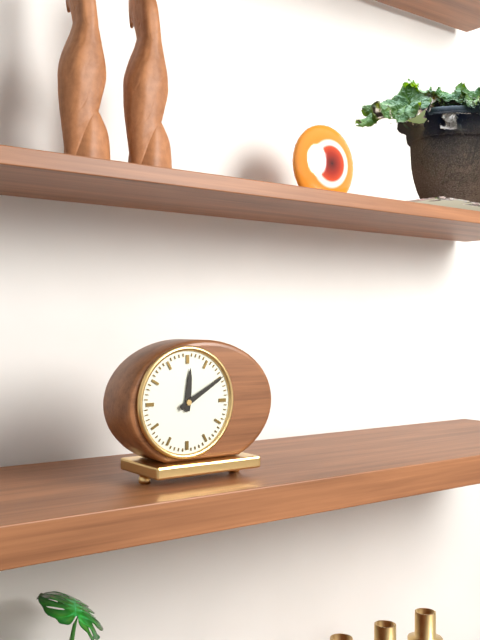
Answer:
12h10
